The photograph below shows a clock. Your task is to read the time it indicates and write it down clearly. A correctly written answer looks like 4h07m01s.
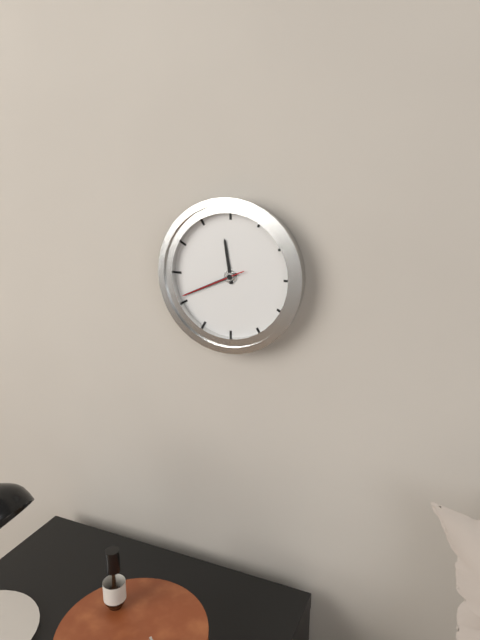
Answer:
11h41m41s
